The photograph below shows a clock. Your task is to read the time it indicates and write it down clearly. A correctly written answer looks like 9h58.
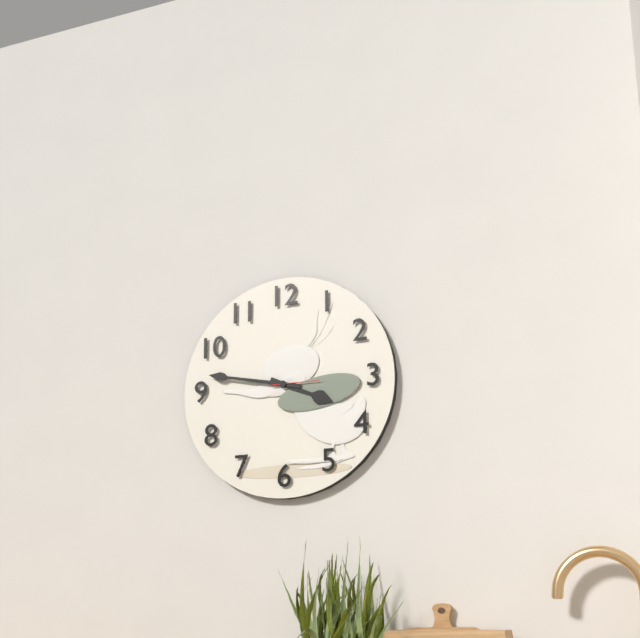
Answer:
3h47
